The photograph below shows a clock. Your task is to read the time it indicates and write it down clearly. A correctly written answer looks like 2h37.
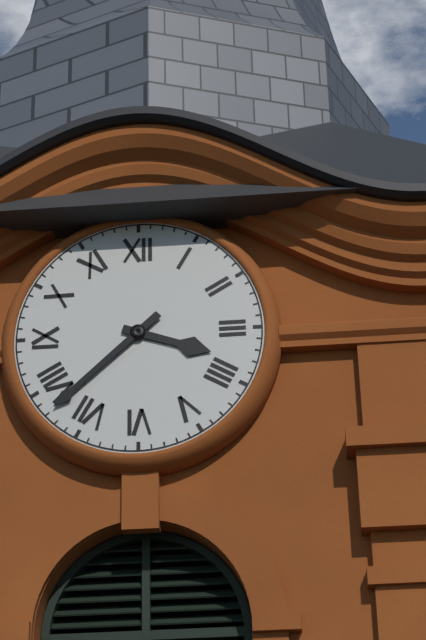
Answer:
3h38
